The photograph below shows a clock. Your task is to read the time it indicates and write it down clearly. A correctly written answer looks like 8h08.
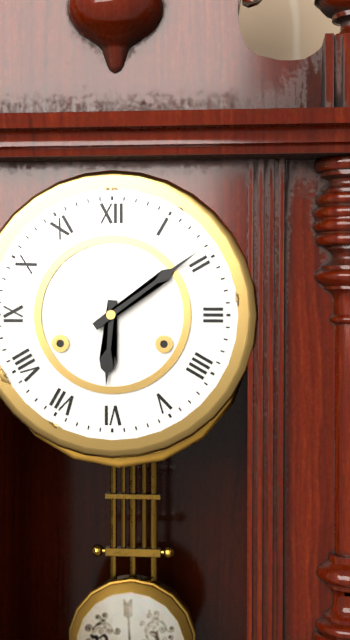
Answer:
6h09
